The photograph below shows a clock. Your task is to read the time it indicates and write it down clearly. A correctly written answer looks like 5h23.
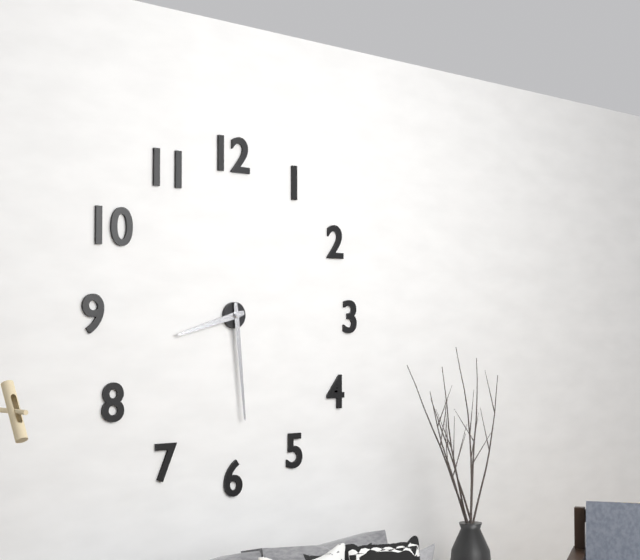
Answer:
8h29
